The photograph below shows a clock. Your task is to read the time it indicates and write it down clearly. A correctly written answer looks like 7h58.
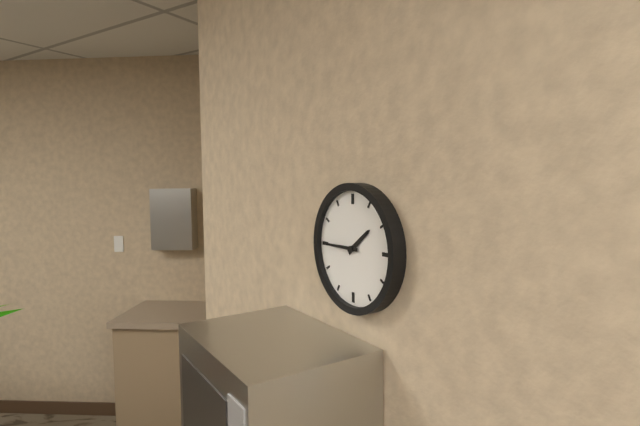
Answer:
1h45
